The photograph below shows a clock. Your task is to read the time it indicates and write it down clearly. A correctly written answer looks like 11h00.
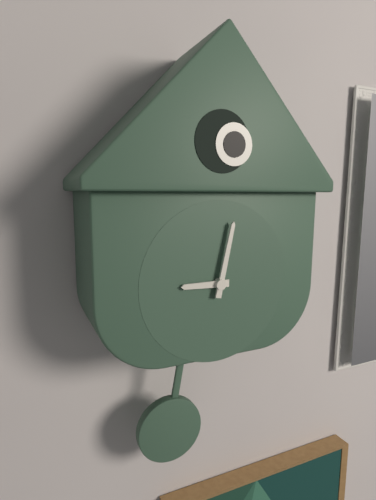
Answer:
9h02
